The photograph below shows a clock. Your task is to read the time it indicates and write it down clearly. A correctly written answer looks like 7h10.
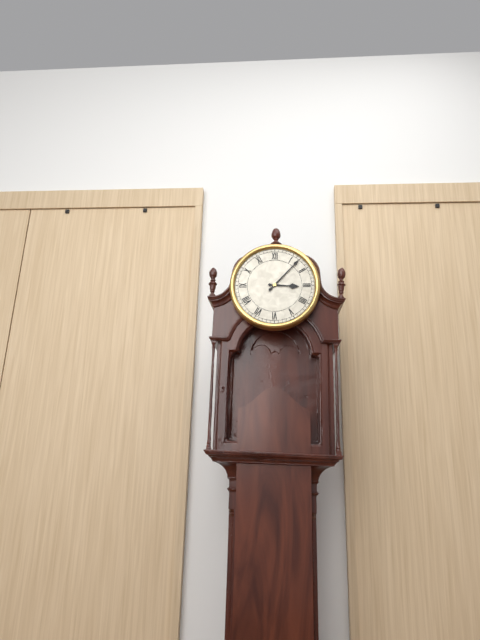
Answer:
3h07
